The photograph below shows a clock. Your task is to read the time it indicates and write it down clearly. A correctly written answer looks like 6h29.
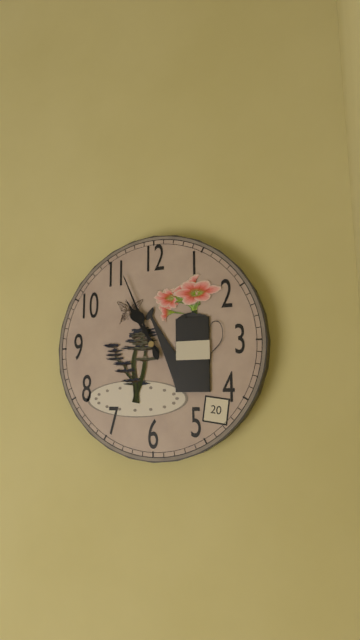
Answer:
10h56
